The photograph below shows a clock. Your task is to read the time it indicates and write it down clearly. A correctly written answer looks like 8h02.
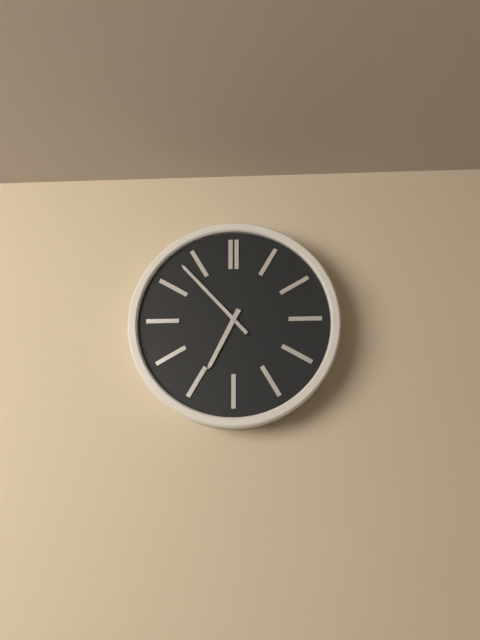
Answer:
6h53
